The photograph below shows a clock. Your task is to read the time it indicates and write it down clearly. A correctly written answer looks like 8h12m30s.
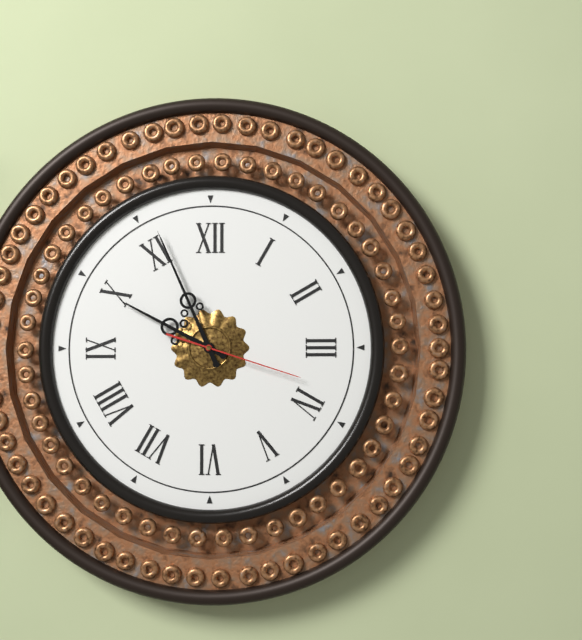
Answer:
9h56m18s
